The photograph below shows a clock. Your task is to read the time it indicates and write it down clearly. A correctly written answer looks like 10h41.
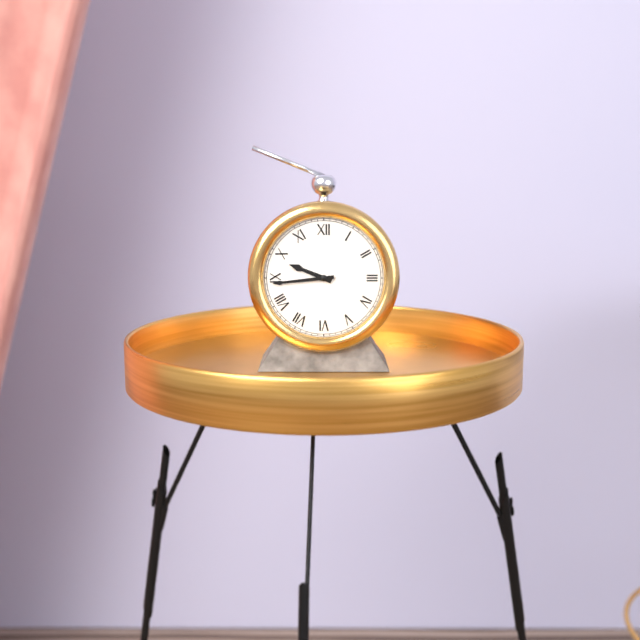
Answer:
9h44
